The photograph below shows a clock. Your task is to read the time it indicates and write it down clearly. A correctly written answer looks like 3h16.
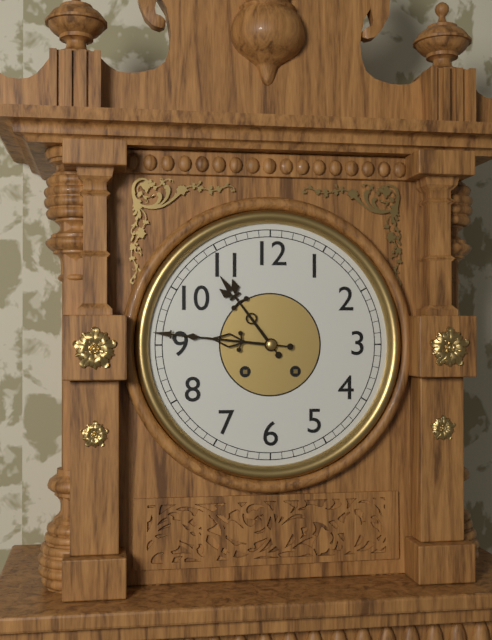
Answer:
10h46
